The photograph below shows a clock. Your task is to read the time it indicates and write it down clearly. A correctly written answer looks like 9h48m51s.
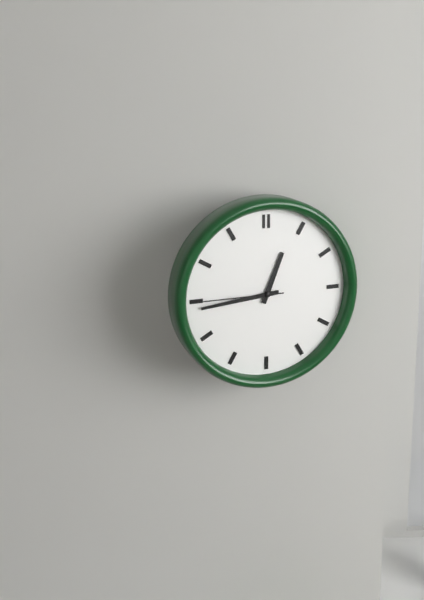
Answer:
12h44m45s
